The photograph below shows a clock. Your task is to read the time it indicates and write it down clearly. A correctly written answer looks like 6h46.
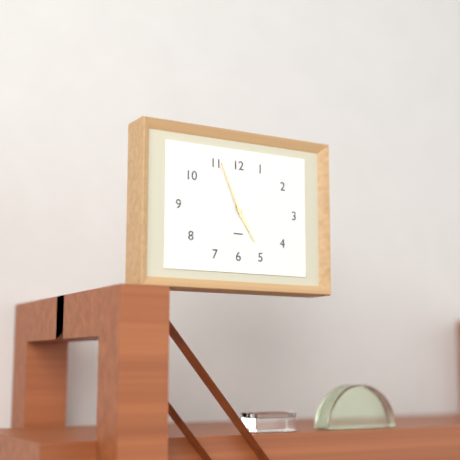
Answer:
4h56
